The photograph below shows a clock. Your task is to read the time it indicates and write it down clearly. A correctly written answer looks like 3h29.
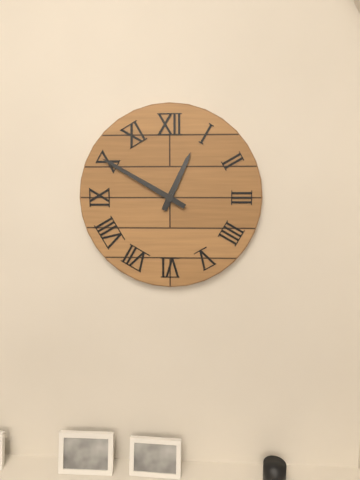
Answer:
12h50
